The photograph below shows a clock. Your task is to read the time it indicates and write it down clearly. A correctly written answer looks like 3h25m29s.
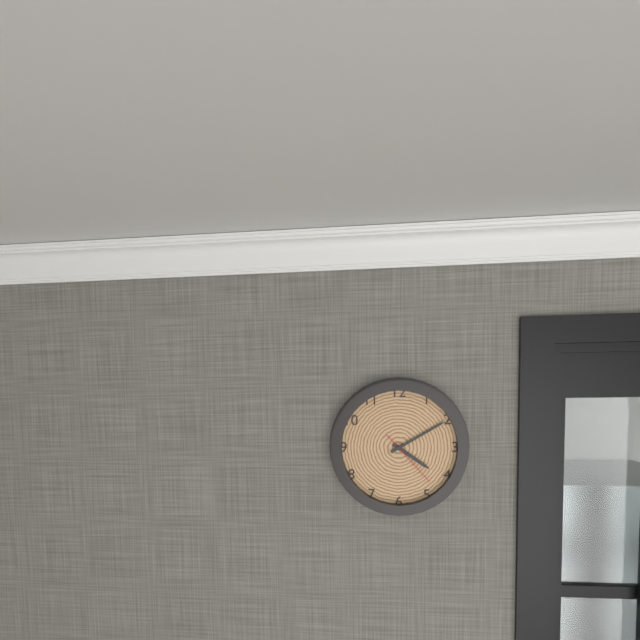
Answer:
4h10m23s
